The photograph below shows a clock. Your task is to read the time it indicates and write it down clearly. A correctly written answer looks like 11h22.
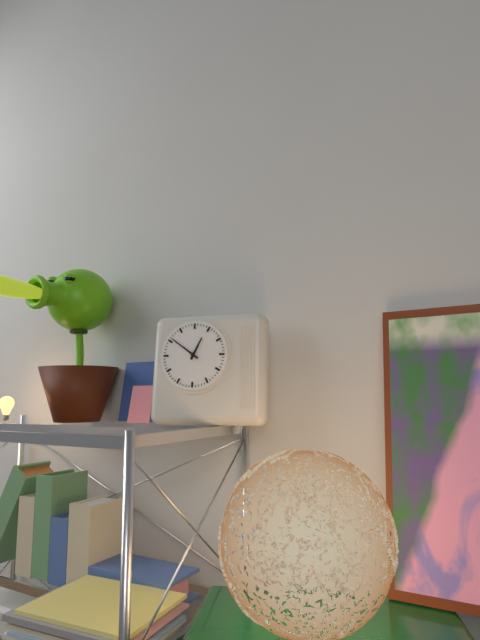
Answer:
12h51
